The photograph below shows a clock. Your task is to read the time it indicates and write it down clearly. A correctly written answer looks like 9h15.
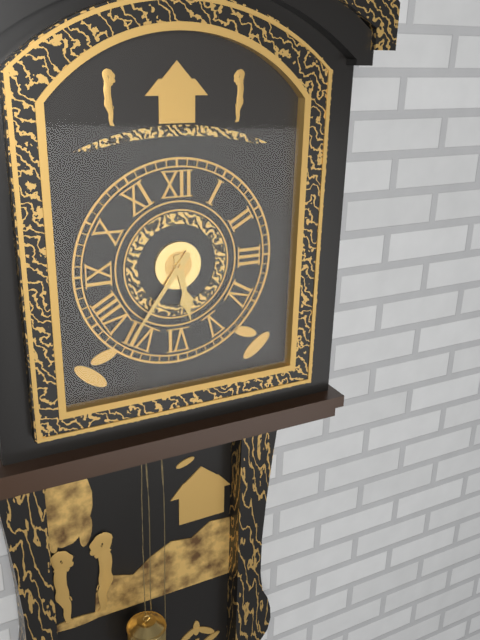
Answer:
5h36
